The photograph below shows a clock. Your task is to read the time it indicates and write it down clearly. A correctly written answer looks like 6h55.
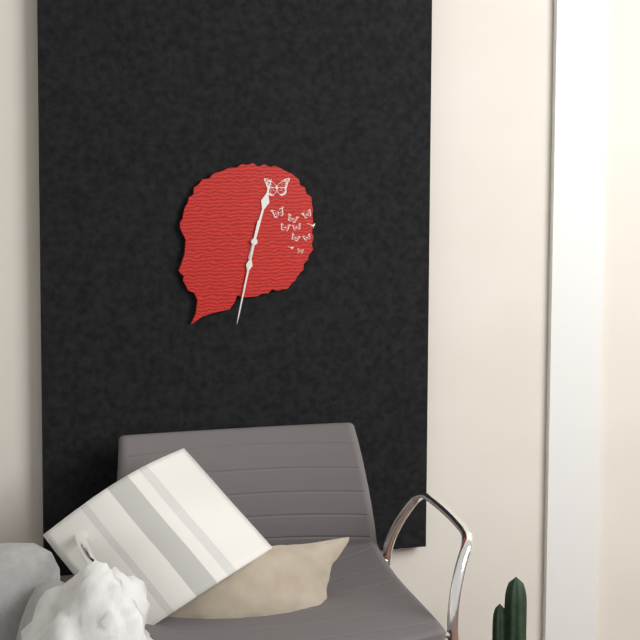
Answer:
12h32
